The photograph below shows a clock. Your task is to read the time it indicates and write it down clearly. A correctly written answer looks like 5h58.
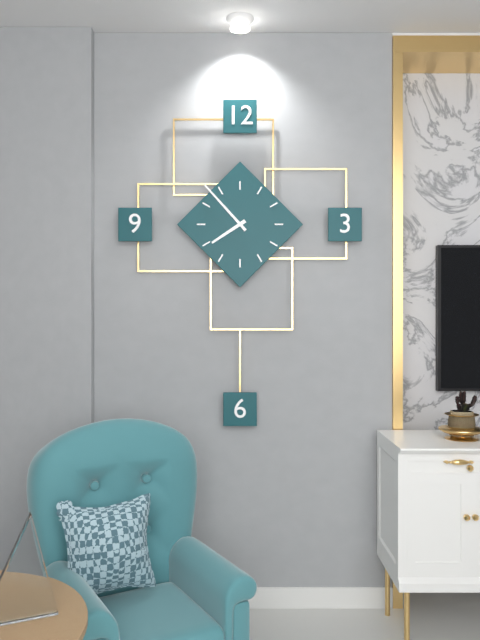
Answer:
7h53
